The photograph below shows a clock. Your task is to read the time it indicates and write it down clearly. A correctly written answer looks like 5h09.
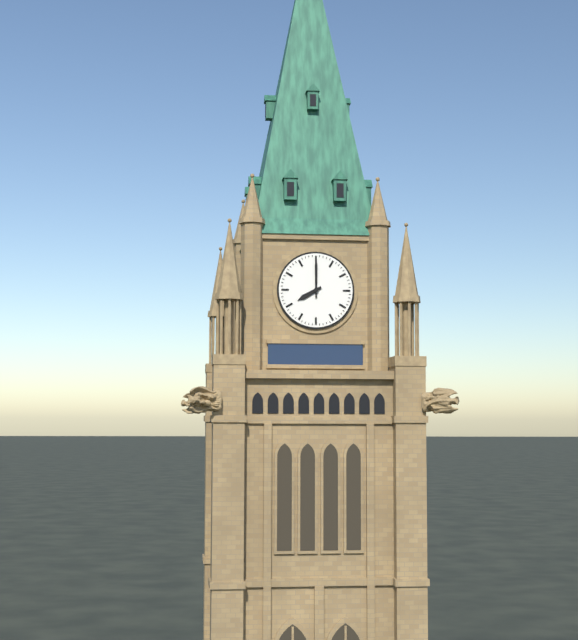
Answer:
8h00
